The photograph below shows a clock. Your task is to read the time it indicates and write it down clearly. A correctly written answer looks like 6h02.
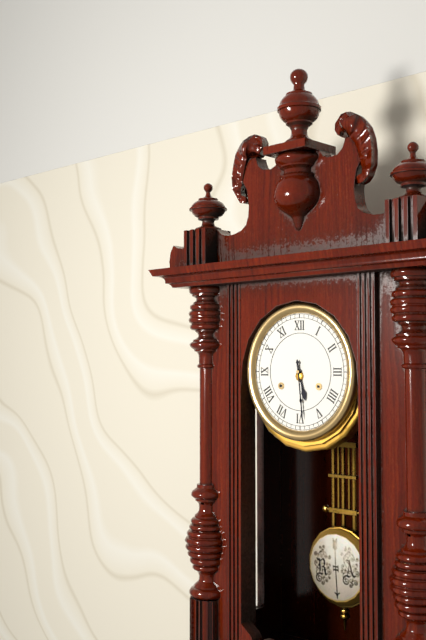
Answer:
5h29
